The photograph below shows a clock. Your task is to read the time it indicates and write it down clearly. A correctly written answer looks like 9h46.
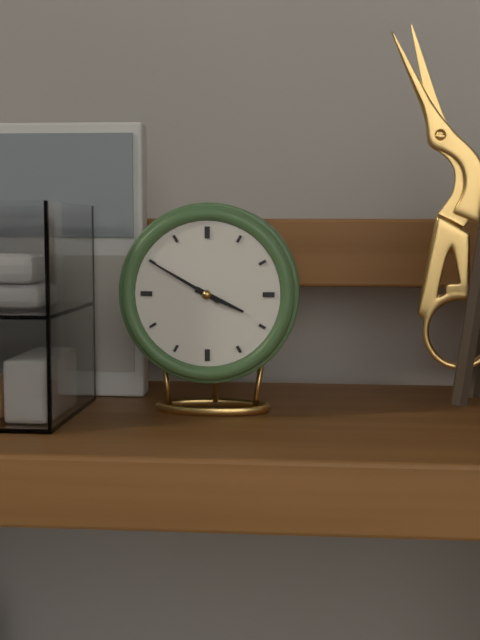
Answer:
3h50
